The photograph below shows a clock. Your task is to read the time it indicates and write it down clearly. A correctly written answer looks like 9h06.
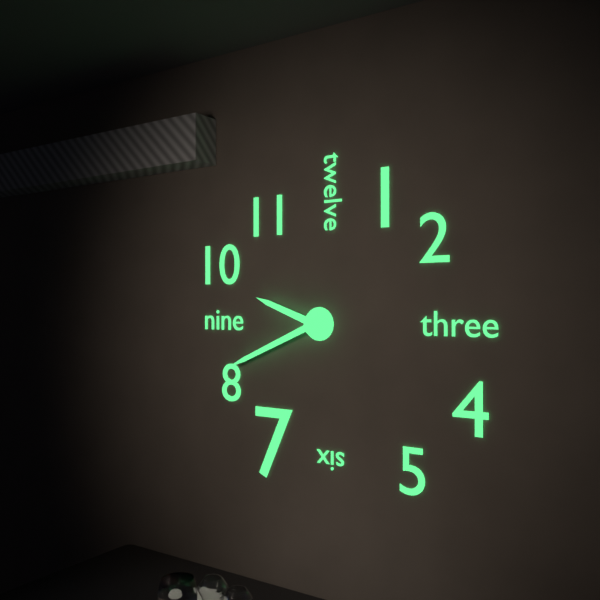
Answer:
9h41
